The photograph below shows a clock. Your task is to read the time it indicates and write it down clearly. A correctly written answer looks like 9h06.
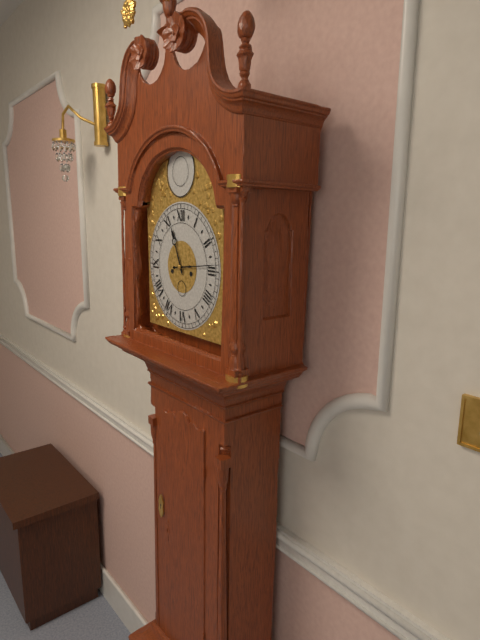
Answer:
11h14
